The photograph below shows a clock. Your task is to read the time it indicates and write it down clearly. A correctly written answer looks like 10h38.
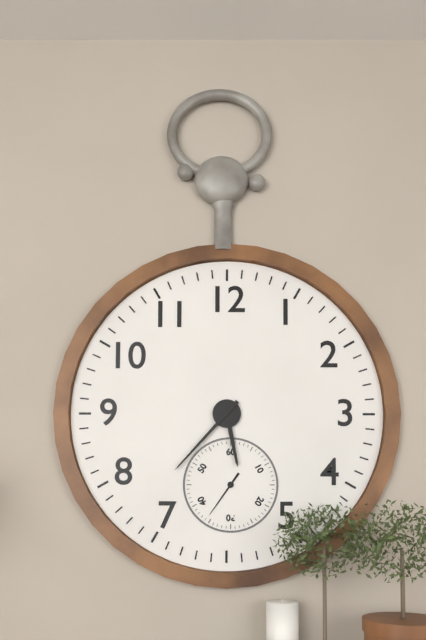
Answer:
5h37
